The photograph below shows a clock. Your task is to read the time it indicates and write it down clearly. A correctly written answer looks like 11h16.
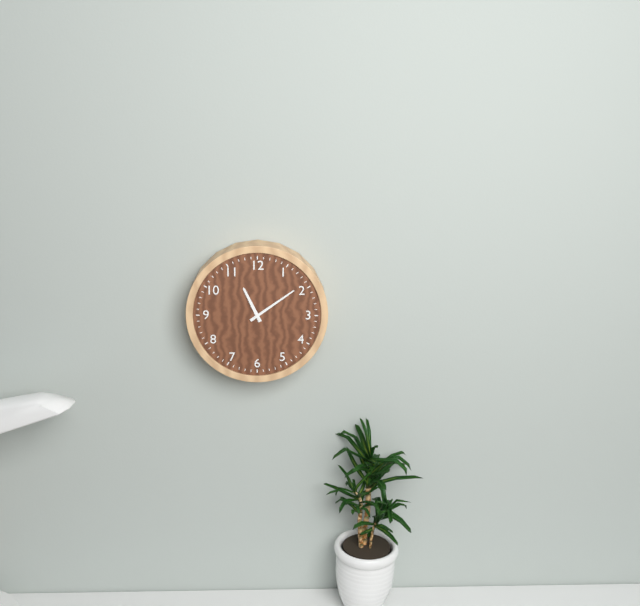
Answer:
11h09
